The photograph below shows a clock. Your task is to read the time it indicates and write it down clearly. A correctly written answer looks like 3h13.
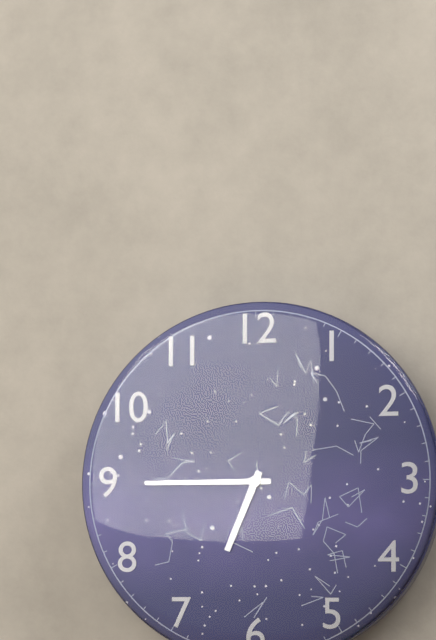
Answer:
6h45
